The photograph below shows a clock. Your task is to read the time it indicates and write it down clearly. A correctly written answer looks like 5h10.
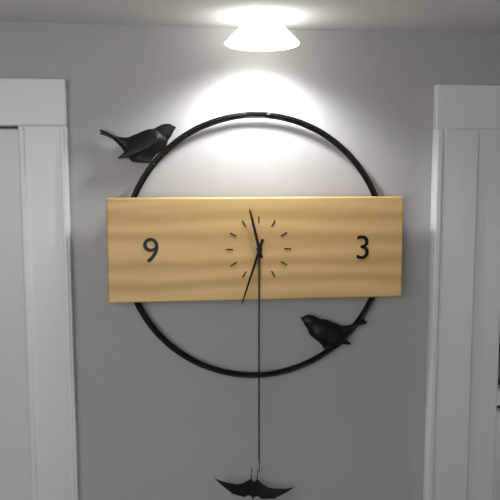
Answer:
11h33
